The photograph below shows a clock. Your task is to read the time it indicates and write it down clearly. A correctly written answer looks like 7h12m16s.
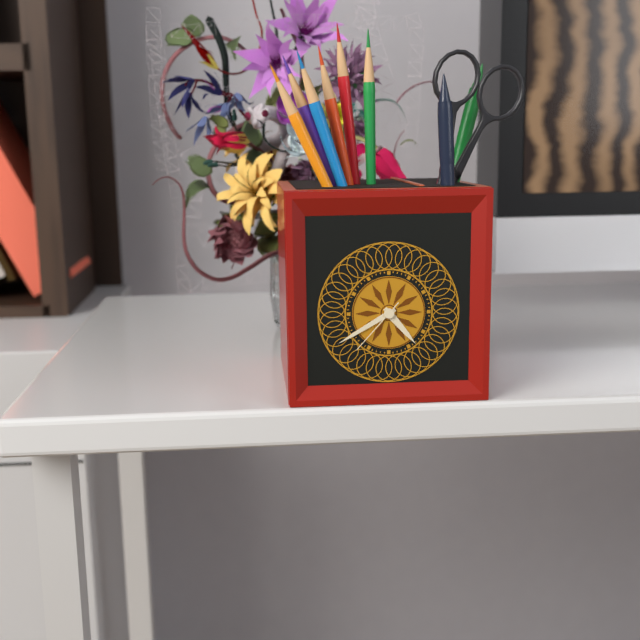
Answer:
4h40m37s
